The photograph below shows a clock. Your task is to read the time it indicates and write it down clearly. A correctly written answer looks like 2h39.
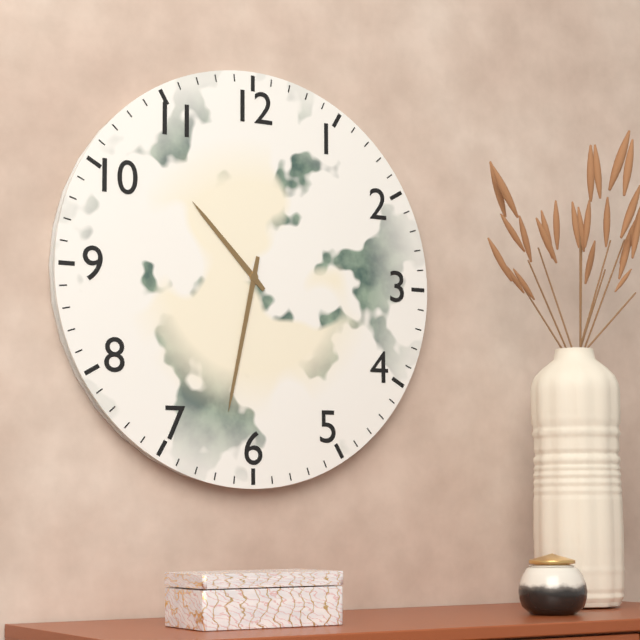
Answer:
10h32
